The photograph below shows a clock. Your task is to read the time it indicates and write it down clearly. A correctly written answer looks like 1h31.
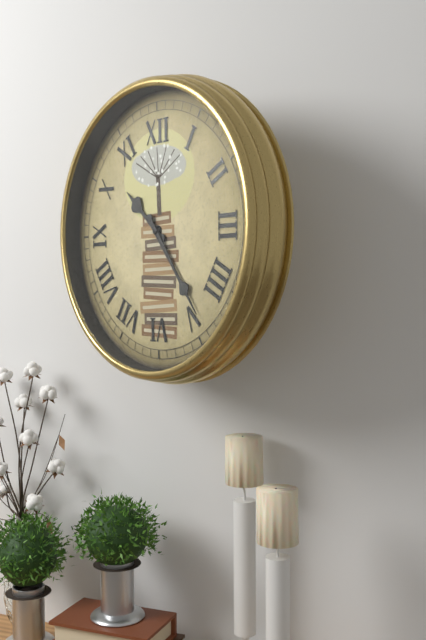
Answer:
10h24
